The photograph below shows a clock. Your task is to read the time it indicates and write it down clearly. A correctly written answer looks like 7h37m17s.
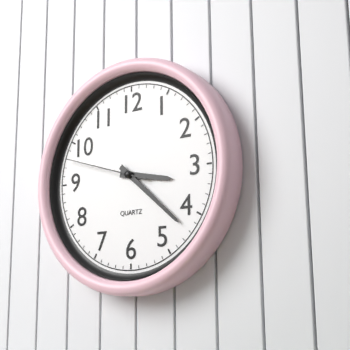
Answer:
3h22m48s
